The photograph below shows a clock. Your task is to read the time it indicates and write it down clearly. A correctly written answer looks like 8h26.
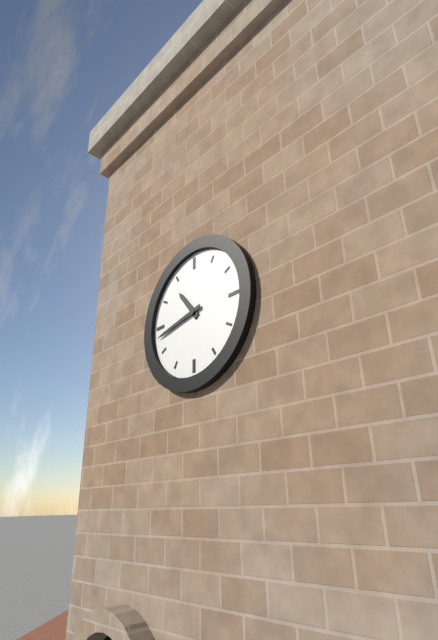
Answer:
10h43
